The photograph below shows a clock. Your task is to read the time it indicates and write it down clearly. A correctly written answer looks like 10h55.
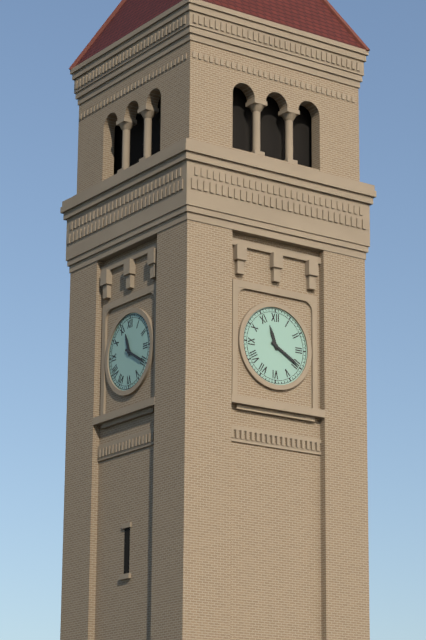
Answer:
11h20
